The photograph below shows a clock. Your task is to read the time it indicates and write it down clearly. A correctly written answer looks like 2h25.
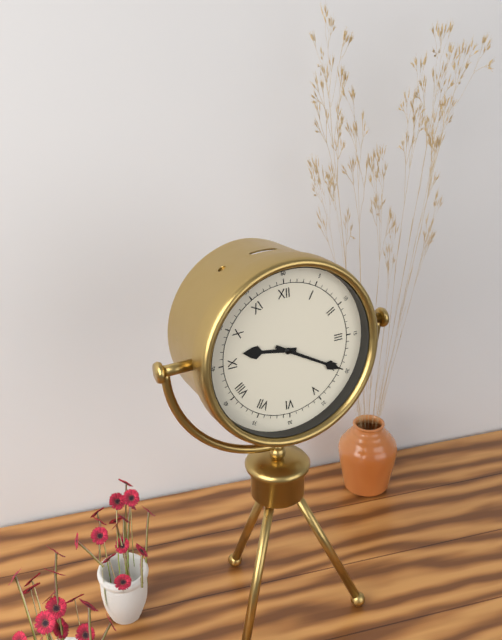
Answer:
9h20
